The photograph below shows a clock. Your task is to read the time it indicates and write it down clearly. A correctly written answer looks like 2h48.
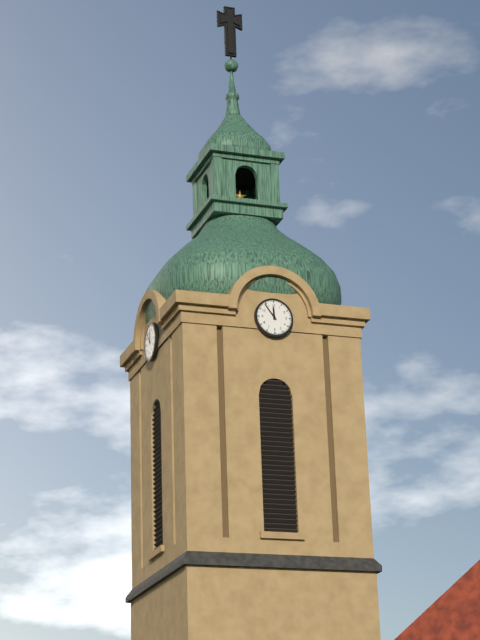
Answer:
11h54
